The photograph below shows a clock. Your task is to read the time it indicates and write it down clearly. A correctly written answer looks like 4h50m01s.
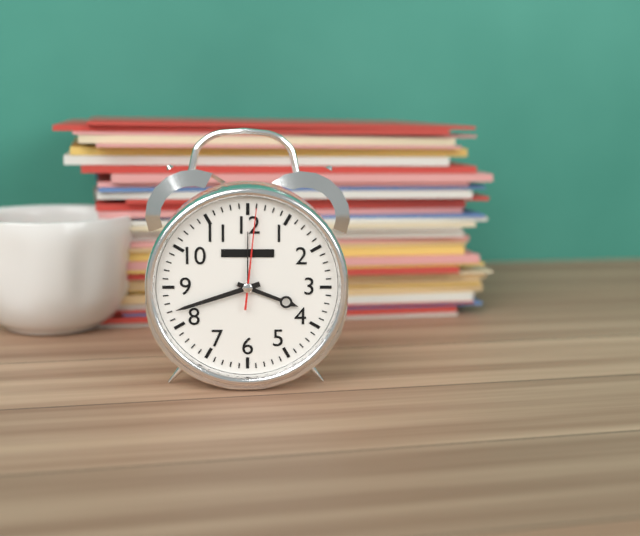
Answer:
3h42m01s
